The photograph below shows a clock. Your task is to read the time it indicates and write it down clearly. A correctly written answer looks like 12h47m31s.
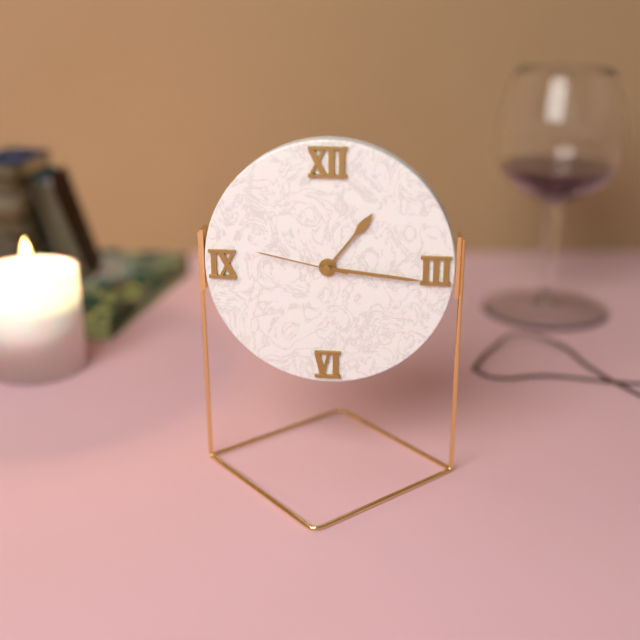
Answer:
1h16m47s
